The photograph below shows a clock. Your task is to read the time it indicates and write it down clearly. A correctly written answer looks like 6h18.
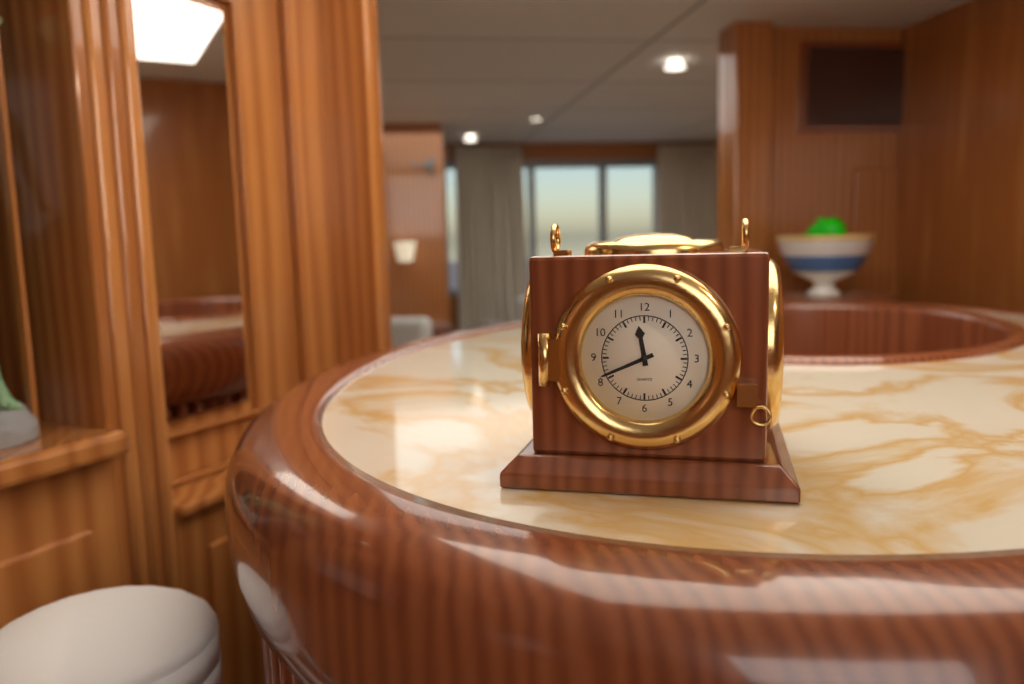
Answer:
11h41
